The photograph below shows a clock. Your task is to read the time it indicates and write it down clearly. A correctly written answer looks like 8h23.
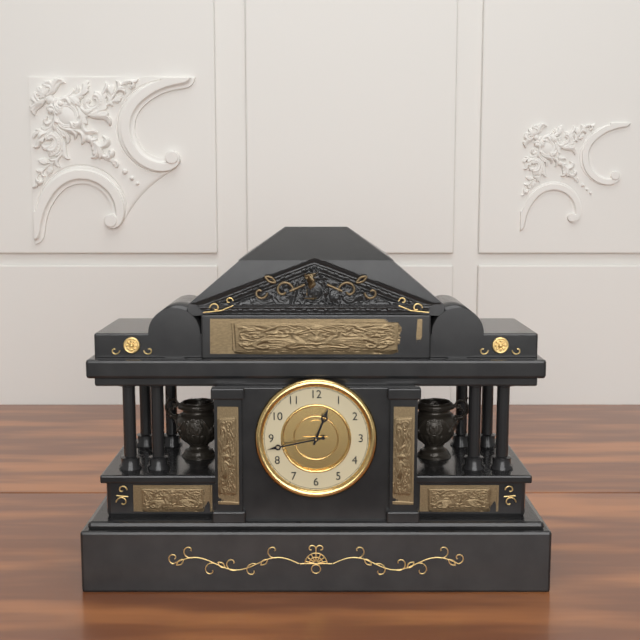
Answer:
12h43
